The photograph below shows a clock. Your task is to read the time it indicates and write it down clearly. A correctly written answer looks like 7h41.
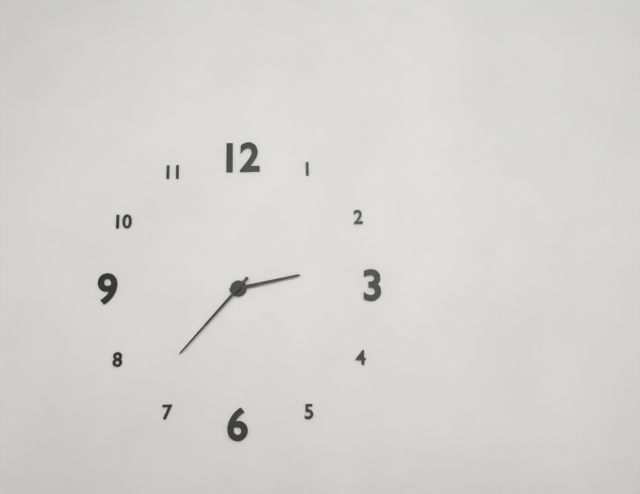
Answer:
2h37
